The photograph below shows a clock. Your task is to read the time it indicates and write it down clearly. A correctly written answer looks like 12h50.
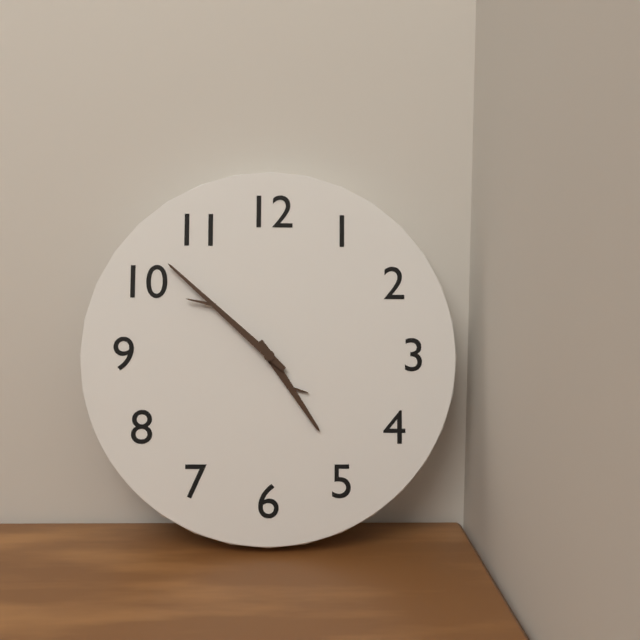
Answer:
4h52
